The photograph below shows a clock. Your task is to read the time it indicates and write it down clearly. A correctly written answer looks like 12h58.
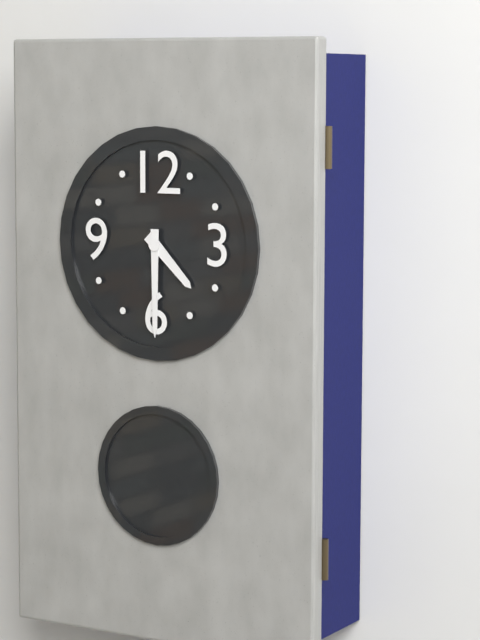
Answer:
4h30
